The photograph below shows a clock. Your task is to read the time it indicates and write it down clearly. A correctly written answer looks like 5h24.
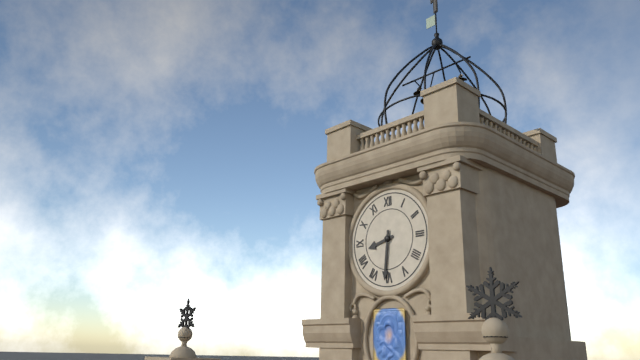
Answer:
8h31
